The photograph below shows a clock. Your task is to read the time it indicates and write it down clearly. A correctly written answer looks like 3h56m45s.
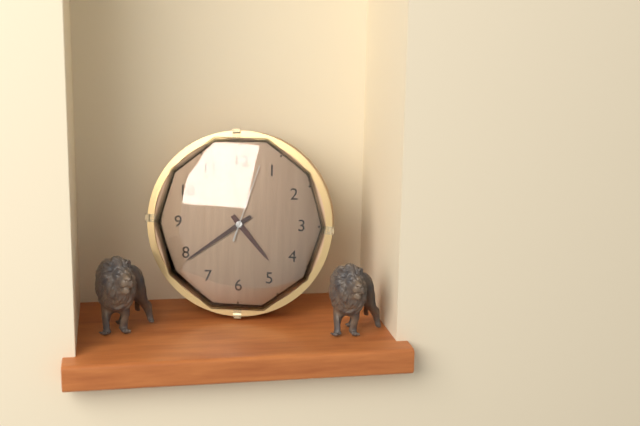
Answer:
4h39m03s
